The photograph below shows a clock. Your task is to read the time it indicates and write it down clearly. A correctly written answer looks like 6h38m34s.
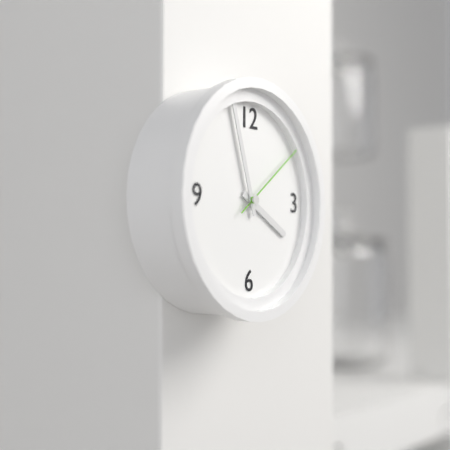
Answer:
3h57m09s
